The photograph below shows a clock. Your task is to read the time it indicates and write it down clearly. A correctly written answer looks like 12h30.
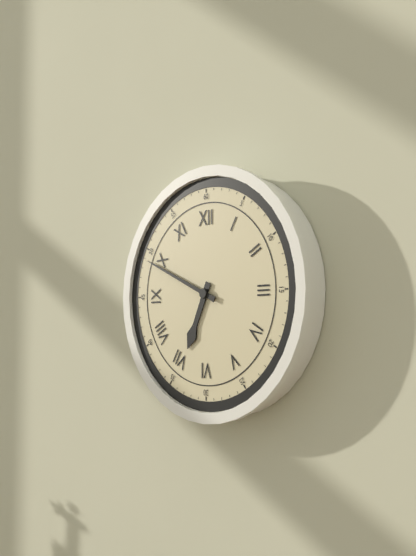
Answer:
6h49
